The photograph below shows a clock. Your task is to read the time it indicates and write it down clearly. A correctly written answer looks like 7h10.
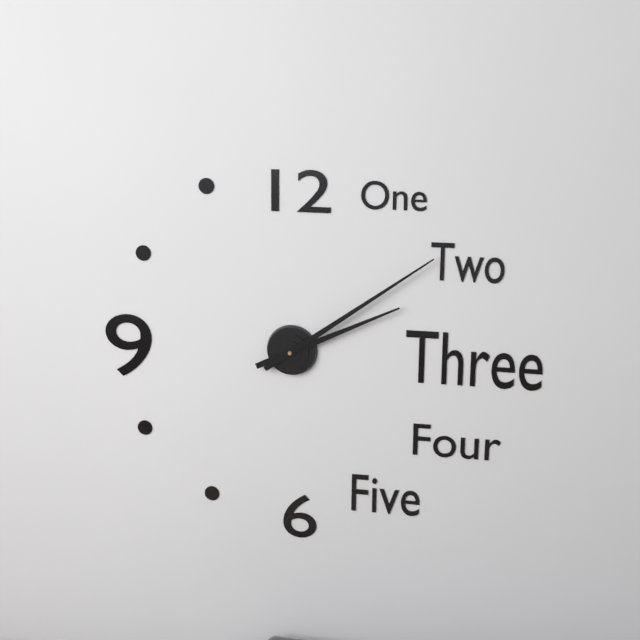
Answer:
2h09
